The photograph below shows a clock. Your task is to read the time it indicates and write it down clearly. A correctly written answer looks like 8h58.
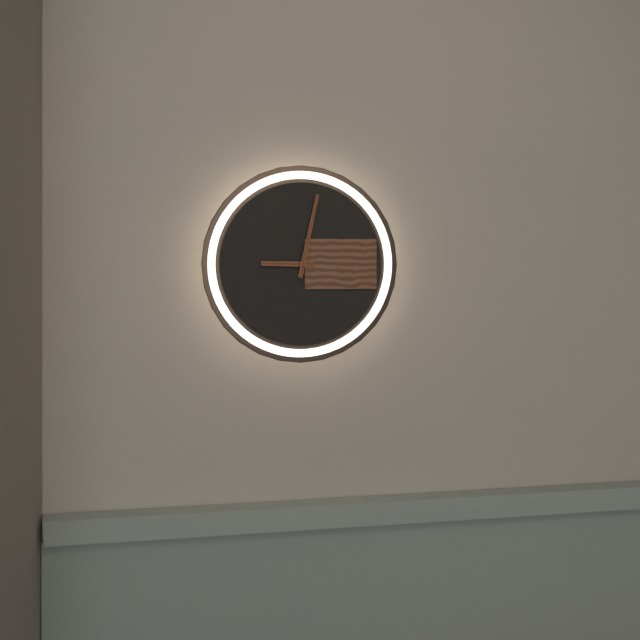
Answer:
9h02
